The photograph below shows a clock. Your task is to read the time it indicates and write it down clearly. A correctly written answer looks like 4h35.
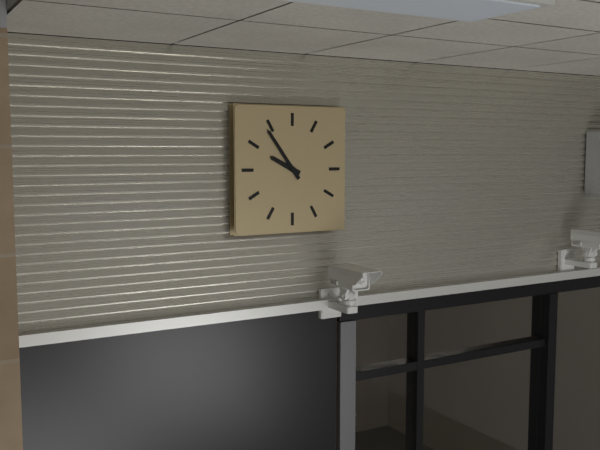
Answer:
9h54
